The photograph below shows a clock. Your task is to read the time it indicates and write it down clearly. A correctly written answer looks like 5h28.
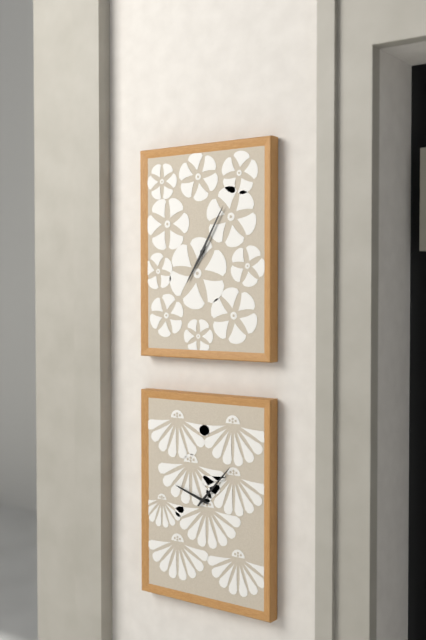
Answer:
7h05
